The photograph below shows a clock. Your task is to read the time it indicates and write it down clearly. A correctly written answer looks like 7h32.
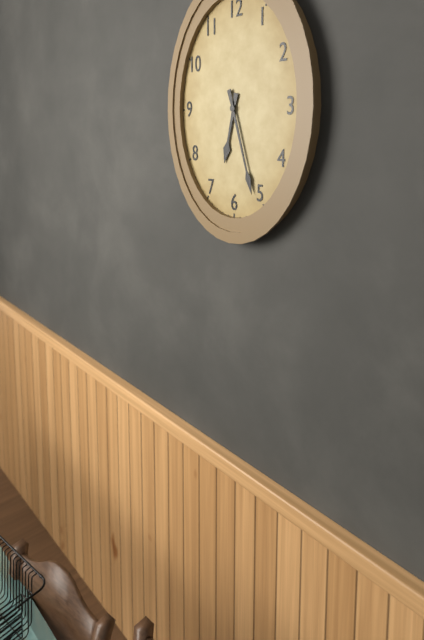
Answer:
6h27
